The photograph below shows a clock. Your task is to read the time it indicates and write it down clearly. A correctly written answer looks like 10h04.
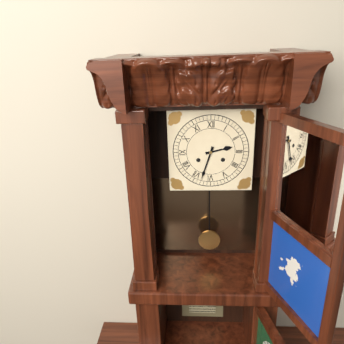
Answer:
2h33
